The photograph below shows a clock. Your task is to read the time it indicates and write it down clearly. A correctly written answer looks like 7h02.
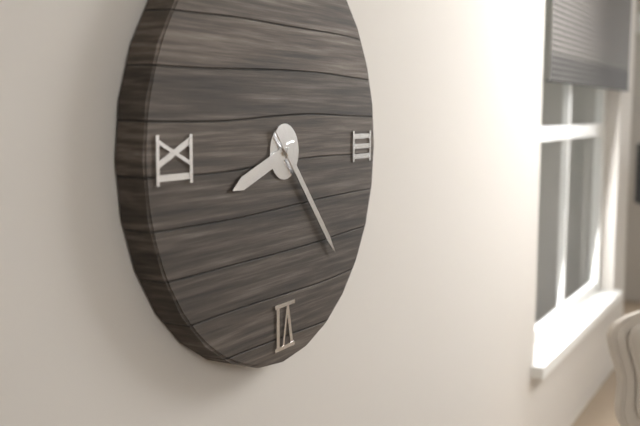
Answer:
8h23
